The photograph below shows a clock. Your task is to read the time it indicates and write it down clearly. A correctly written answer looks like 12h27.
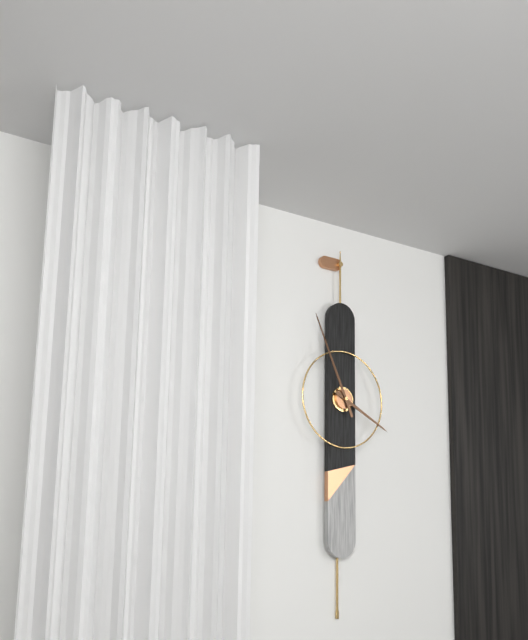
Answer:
3h56
